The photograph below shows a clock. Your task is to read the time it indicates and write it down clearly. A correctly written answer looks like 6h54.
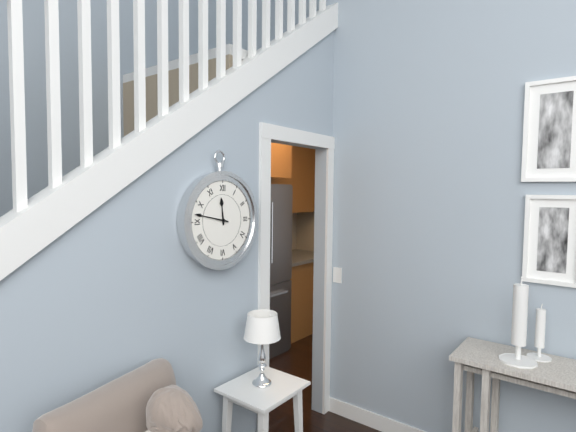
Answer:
11h47
